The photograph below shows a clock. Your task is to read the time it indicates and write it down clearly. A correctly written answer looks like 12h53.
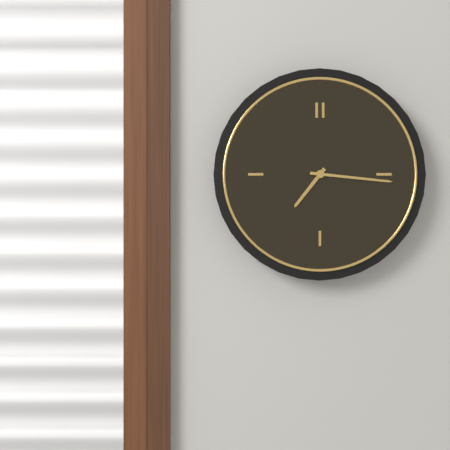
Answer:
7h16
